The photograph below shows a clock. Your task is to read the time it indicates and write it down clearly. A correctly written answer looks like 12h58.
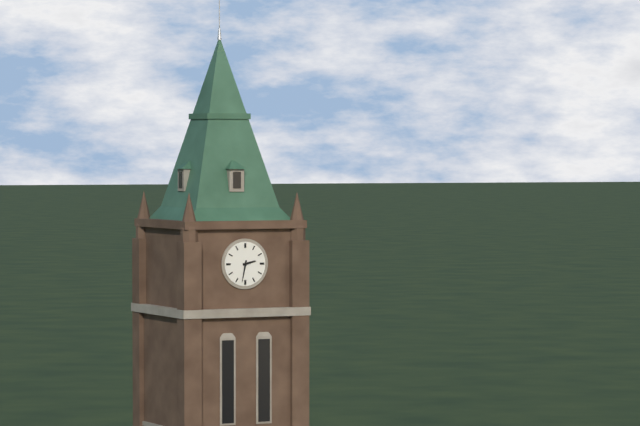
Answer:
2h32
